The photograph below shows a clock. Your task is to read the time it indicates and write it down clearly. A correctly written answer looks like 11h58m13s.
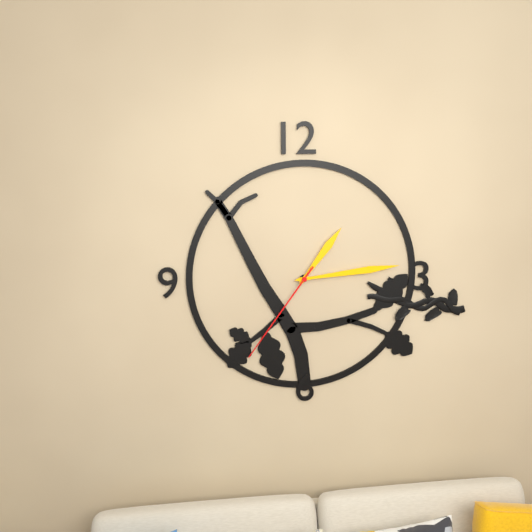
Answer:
1h14m36s
